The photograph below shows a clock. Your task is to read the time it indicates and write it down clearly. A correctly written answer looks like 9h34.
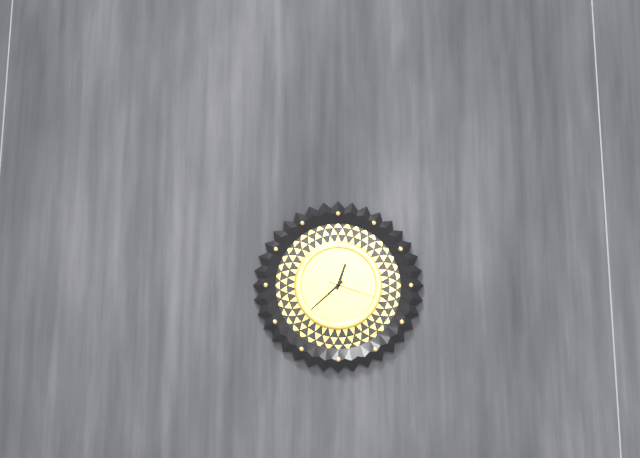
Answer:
12h38
